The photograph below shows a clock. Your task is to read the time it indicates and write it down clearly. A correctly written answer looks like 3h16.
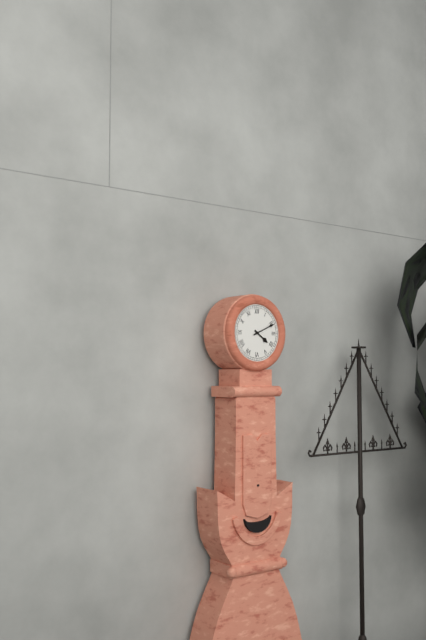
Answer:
4h11
